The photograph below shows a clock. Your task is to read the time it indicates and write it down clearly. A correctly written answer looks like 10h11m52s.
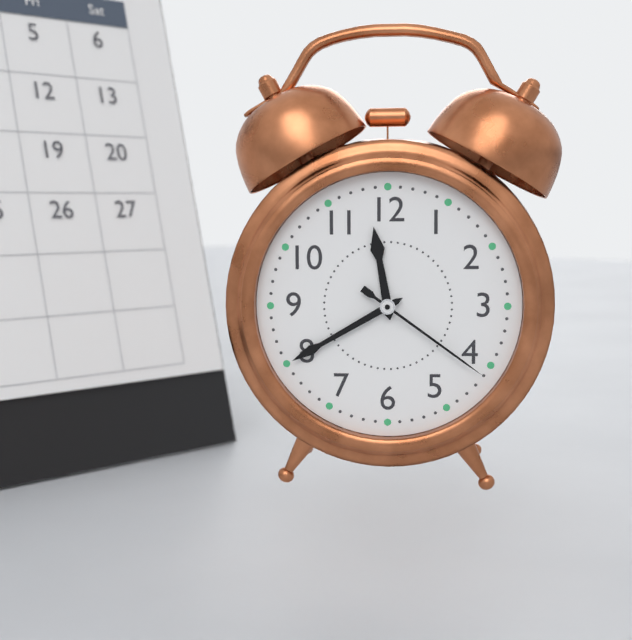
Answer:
11h40m21s
